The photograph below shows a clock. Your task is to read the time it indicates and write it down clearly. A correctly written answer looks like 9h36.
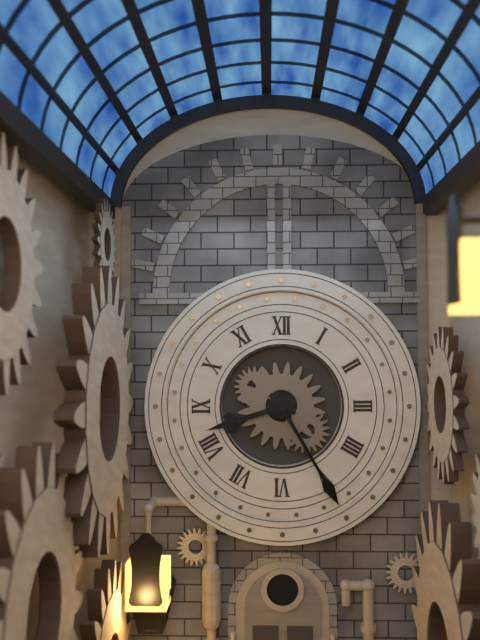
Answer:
8h25
